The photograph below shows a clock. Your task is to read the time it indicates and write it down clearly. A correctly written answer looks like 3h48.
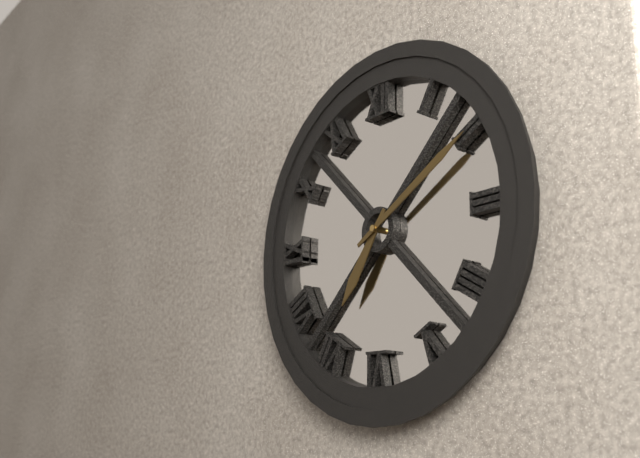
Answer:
7h10
